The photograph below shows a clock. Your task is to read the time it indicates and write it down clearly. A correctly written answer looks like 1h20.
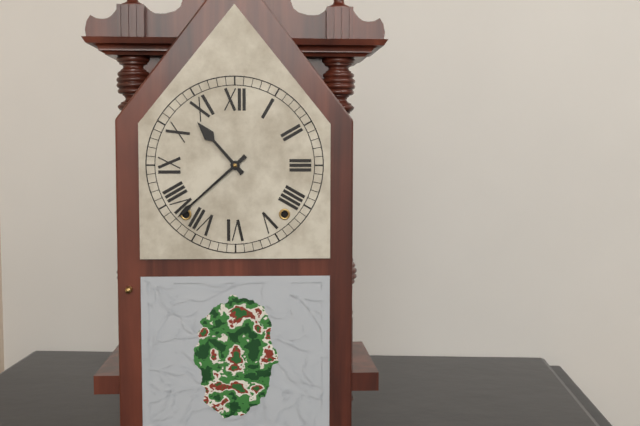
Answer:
10h38
